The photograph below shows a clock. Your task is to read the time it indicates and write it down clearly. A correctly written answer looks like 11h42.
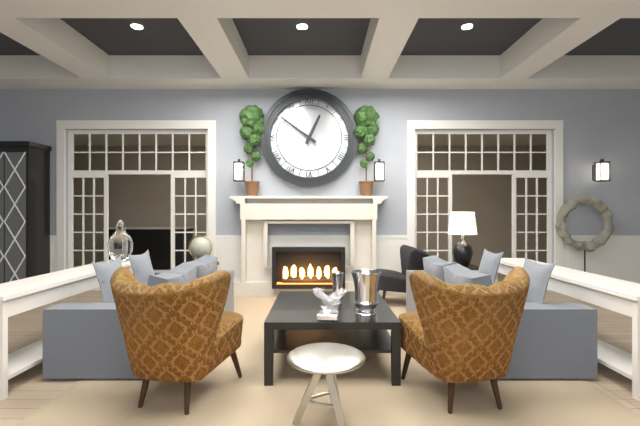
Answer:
12h51
